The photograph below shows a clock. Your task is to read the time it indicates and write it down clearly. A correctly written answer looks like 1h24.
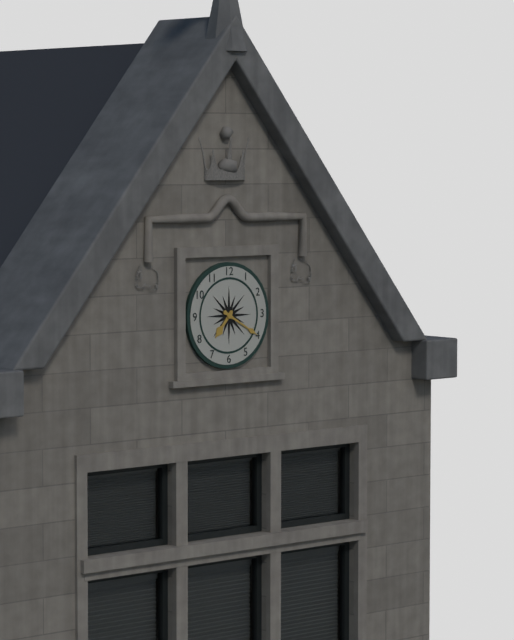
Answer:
7h20
